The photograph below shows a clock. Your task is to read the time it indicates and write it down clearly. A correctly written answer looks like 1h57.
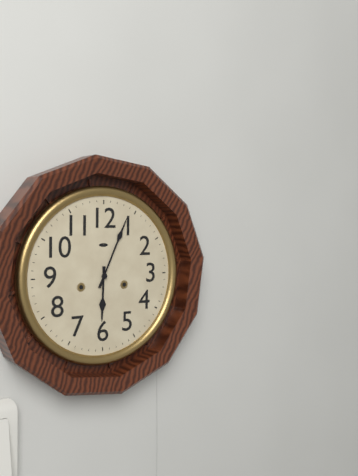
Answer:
6h04
